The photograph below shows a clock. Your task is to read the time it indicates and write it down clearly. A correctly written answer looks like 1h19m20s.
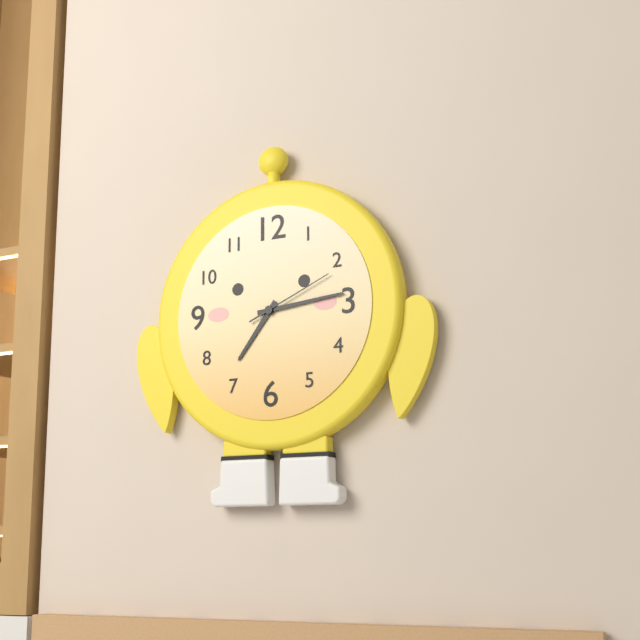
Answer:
7h14m11s
